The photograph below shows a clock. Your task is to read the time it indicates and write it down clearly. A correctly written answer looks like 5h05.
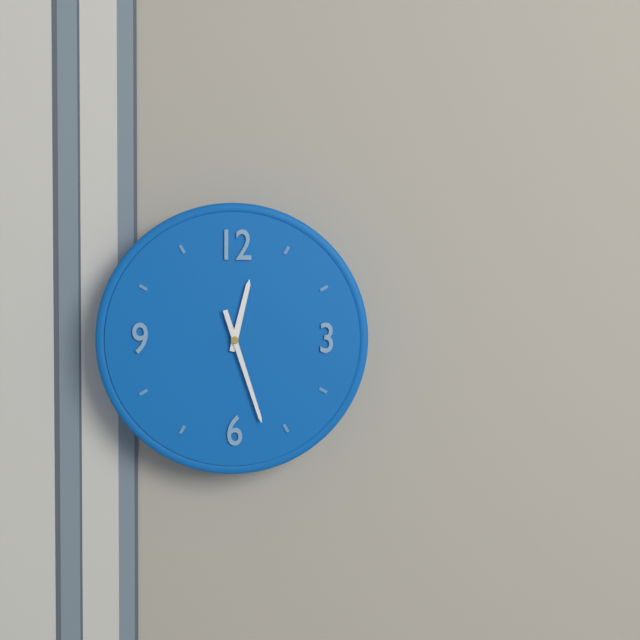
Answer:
12h27
